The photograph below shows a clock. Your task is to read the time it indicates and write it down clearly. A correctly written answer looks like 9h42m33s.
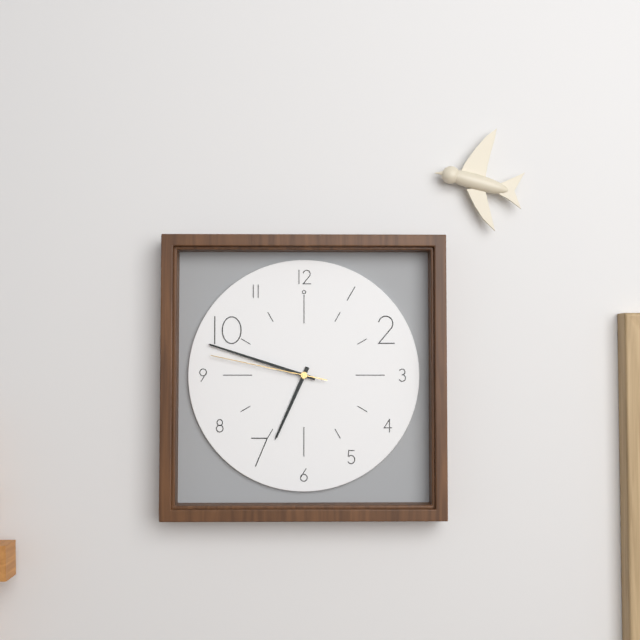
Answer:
6h48m47s
